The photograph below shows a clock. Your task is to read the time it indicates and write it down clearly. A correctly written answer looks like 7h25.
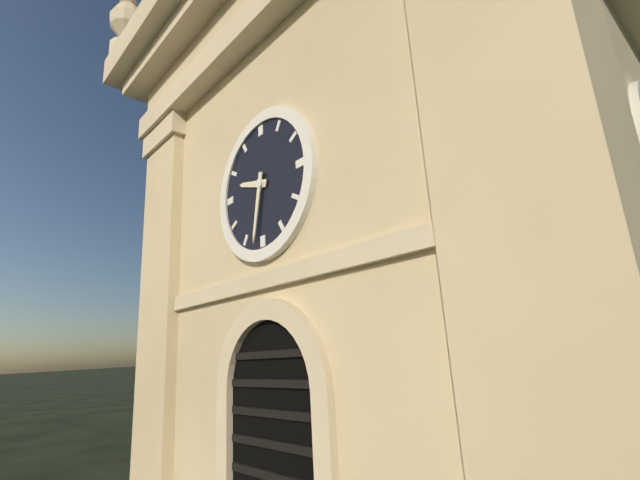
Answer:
9h32
